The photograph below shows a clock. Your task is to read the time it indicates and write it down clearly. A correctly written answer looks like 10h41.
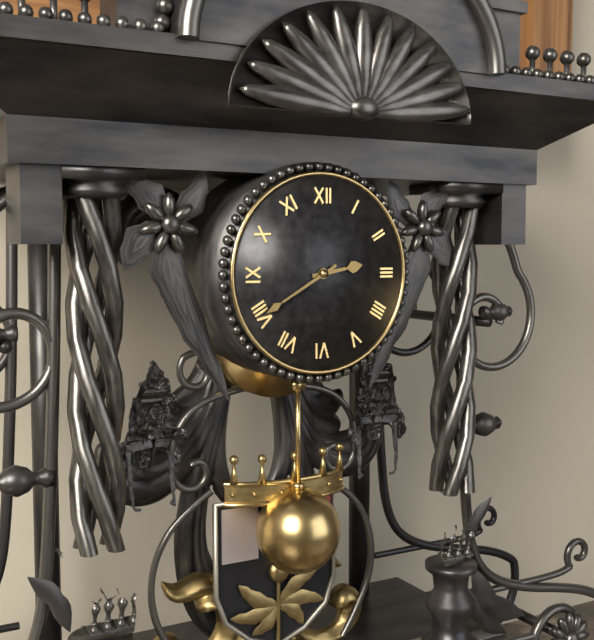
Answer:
2h40
